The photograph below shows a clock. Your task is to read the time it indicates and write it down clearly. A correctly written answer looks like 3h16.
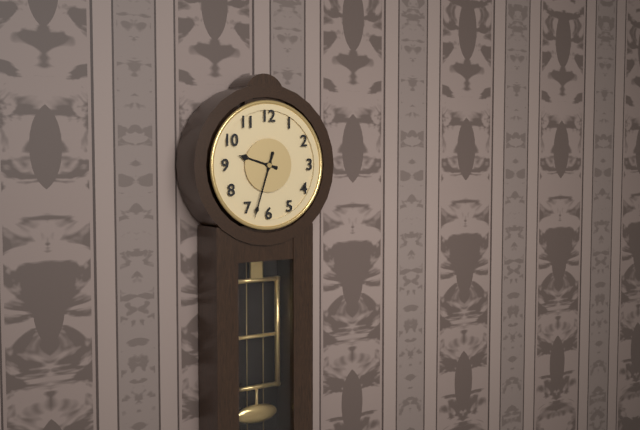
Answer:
9h33
